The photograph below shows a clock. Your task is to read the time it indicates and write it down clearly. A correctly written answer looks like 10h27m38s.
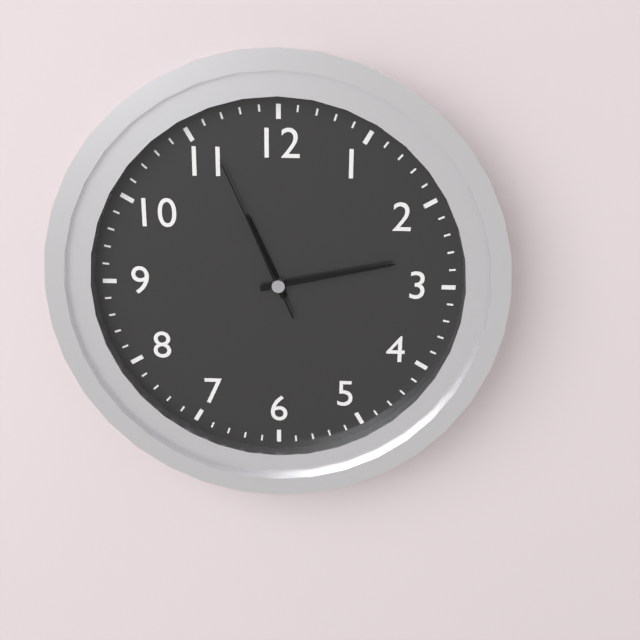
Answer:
11h13m56s
